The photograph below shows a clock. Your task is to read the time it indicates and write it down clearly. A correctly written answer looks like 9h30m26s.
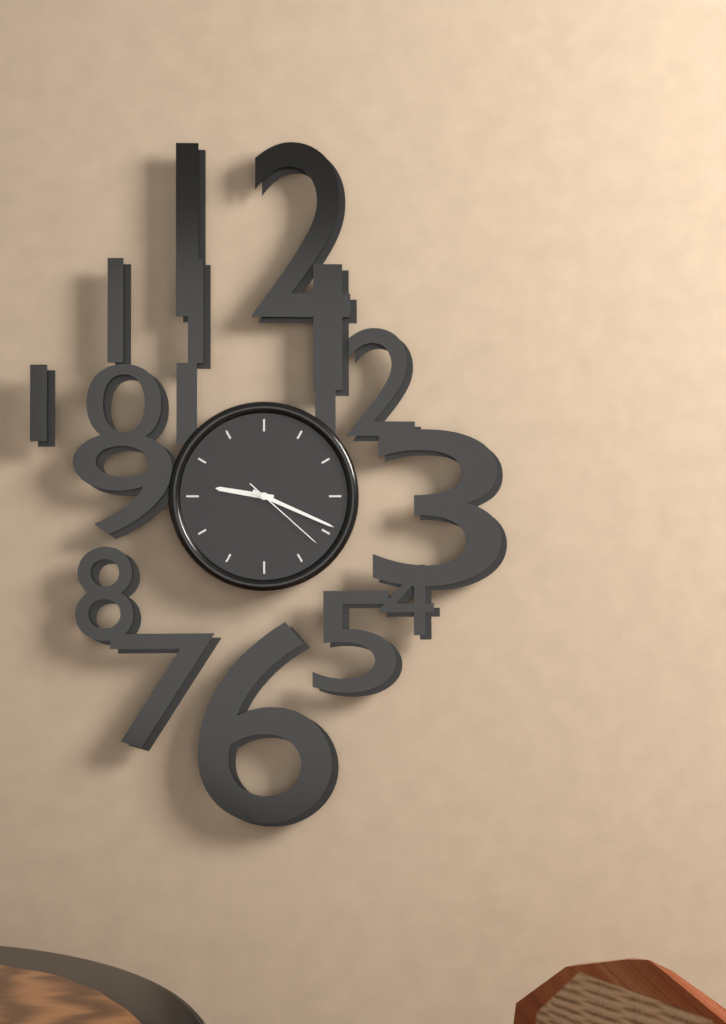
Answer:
9h19m22s
